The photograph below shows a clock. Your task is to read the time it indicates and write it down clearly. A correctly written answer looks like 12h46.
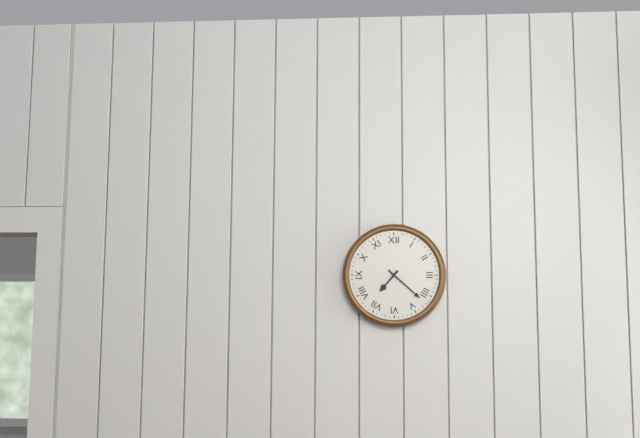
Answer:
7h22
